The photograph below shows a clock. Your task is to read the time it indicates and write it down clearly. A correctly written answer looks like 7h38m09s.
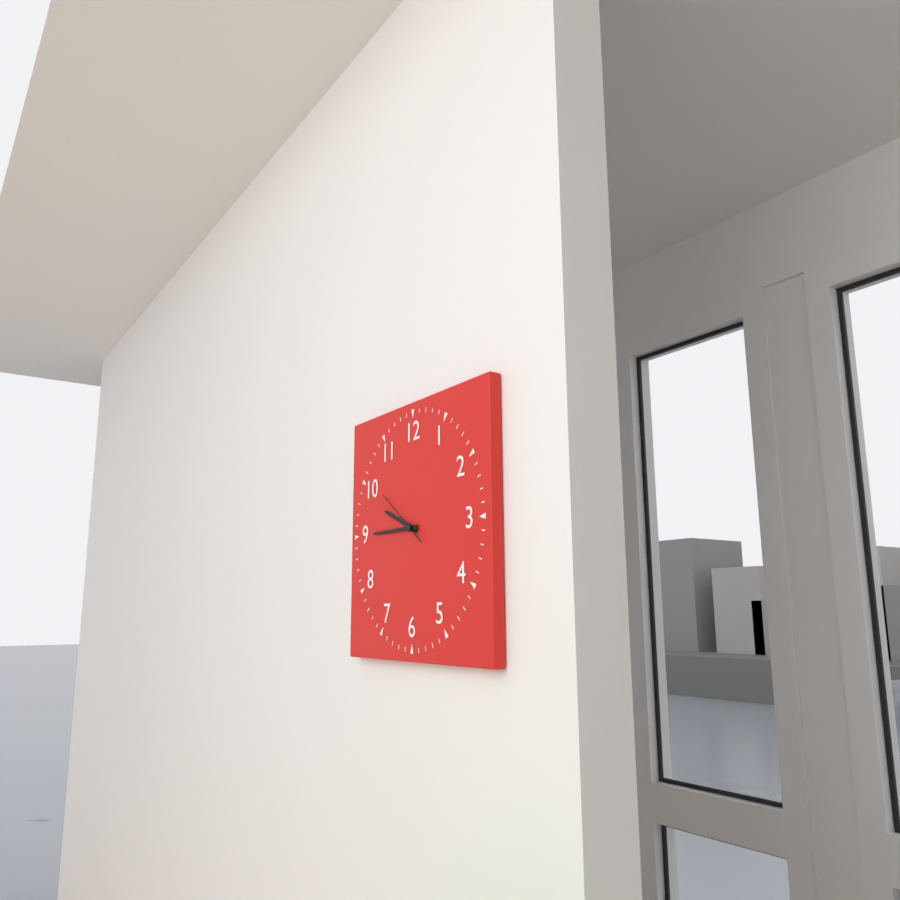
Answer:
9h45m51s
